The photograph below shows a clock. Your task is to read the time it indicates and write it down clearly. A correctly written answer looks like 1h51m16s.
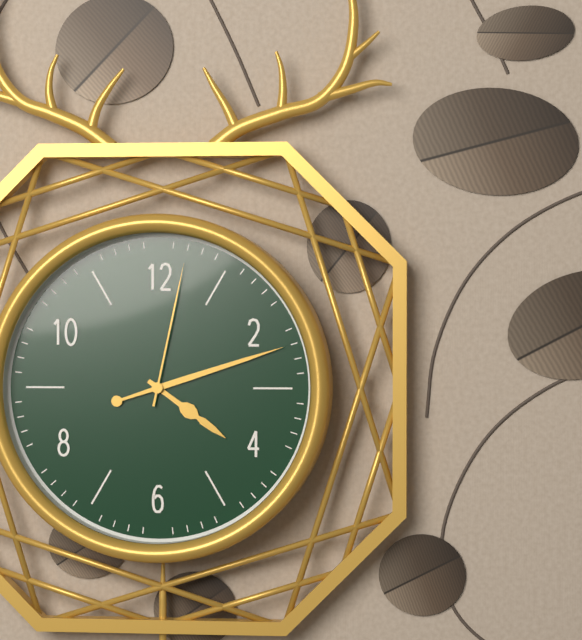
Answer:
4h12m02s
